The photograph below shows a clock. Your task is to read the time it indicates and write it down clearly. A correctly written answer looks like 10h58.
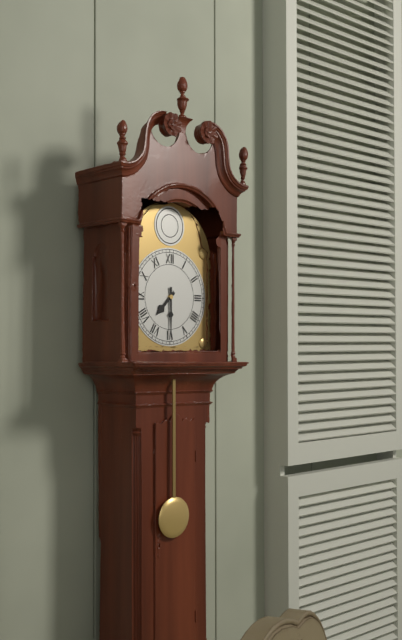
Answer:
7h30
